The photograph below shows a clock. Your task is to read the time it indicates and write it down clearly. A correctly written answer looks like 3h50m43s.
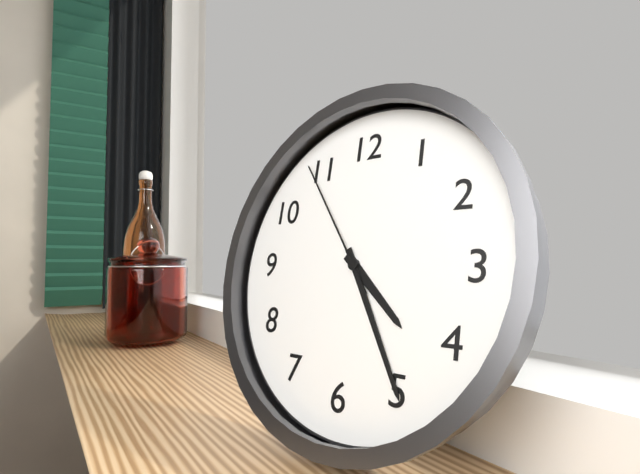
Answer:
4h25m54s
